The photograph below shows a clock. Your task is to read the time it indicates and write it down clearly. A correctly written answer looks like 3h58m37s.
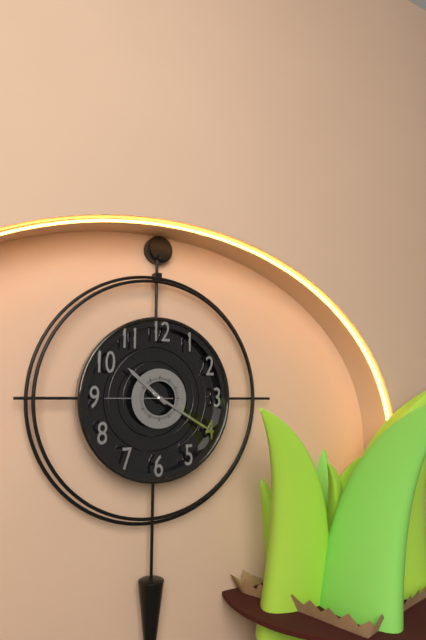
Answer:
10h20m45s
